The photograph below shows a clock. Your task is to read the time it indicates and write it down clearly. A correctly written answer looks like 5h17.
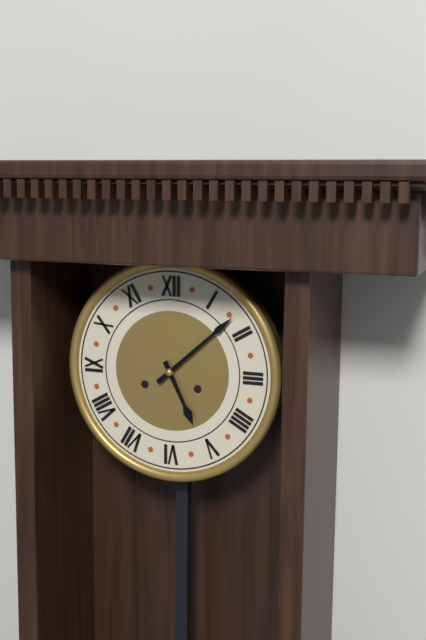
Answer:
5h08
